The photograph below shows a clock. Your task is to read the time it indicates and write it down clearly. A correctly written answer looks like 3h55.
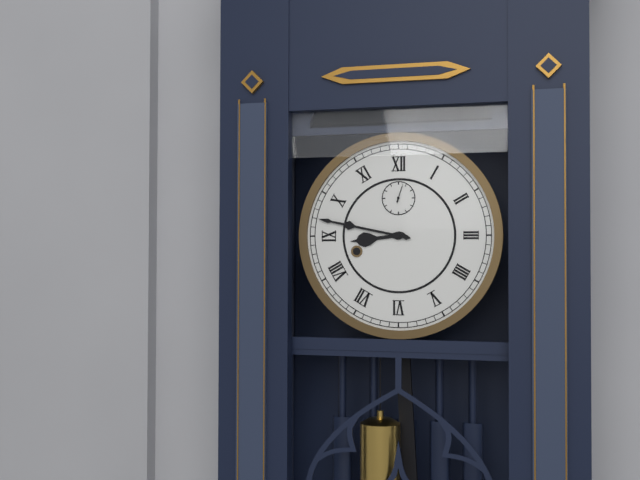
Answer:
8h47
